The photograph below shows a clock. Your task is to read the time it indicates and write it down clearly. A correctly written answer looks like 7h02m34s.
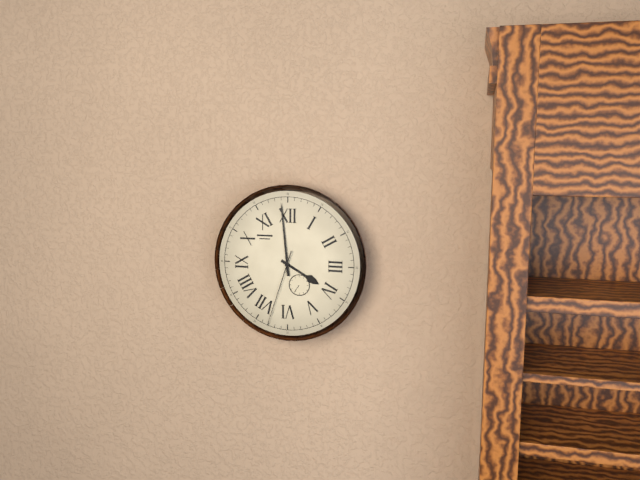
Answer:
3h59m33s
